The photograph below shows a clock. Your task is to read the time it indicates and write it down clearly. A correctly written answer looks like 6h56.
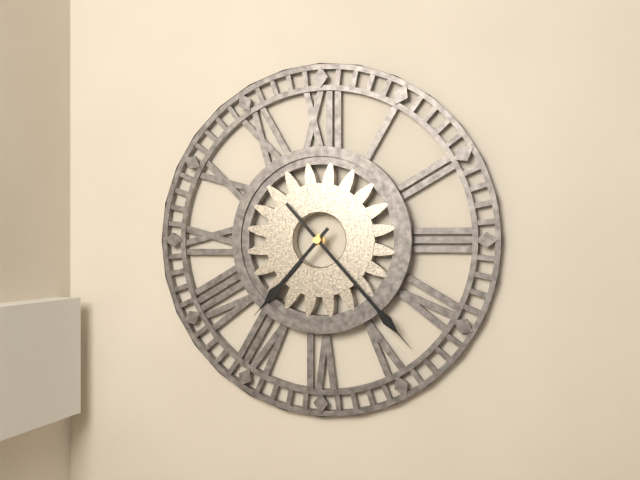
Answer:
7h23
